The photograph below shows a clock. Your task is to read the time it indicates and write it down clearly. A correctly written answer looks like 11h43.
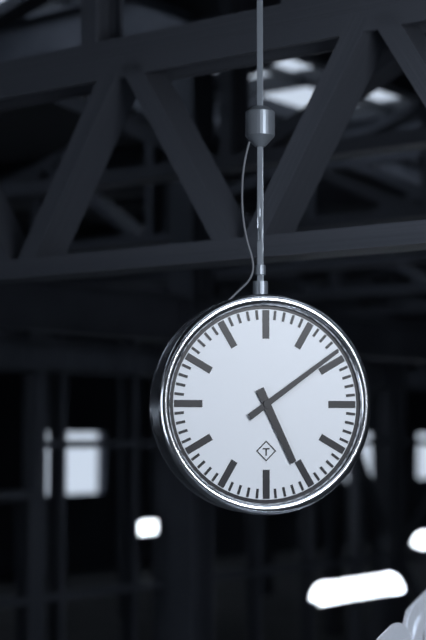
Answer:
5h09
